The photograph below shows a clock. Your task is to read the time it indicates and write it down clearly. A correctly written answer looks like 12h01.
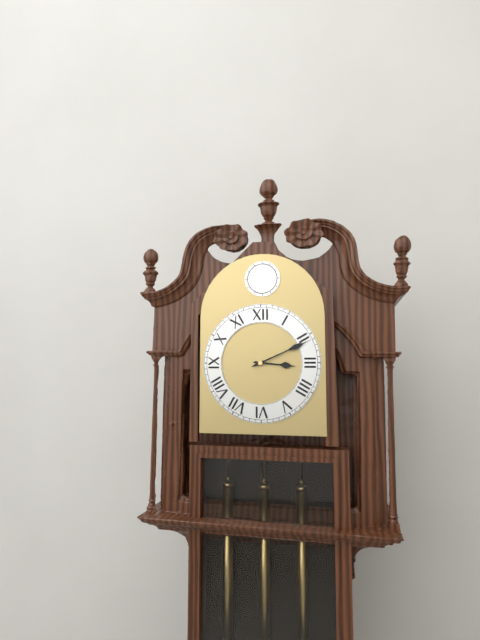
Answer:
3h11
